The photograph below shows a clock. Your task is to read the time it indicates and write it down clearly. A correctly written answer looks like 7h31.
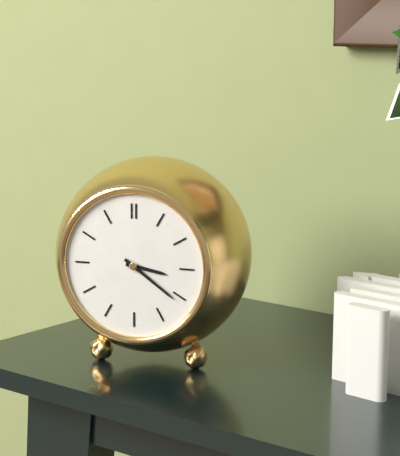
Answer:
3h21
